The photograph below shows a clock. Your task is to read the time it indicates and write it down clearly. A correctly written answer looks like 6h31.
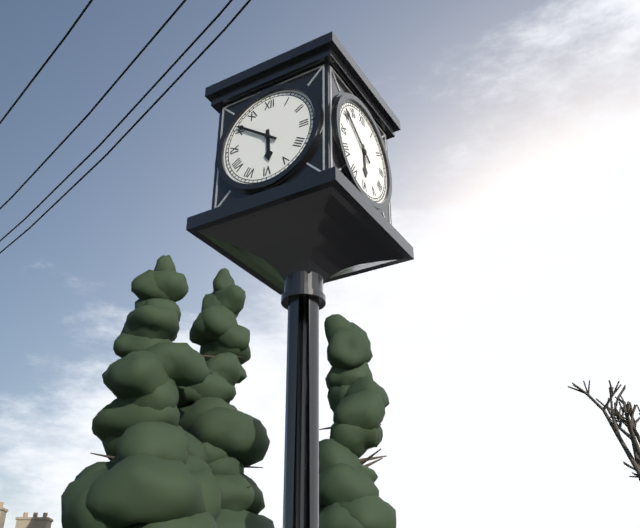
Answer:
5h51
